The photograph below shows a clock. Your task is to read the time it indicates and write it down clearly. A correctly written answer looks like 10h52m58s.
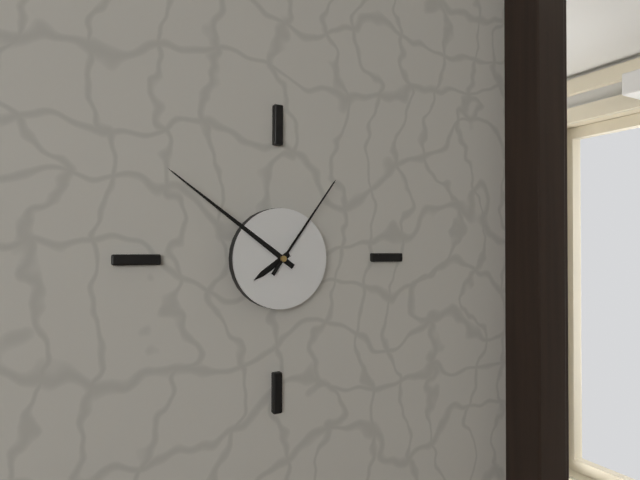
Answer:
7h51m06s
